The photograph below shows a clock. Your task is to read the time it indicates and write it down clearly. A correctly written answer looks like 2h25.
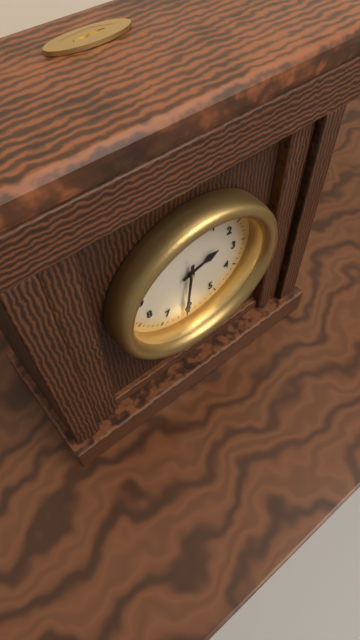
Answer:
2h31
